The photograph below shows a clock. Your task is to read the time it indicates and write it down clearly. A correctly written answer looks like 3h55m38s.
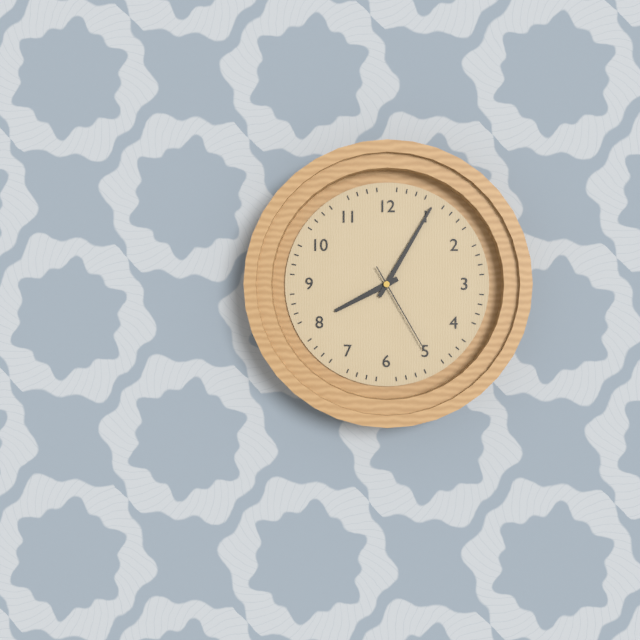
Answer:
8h05m25s
